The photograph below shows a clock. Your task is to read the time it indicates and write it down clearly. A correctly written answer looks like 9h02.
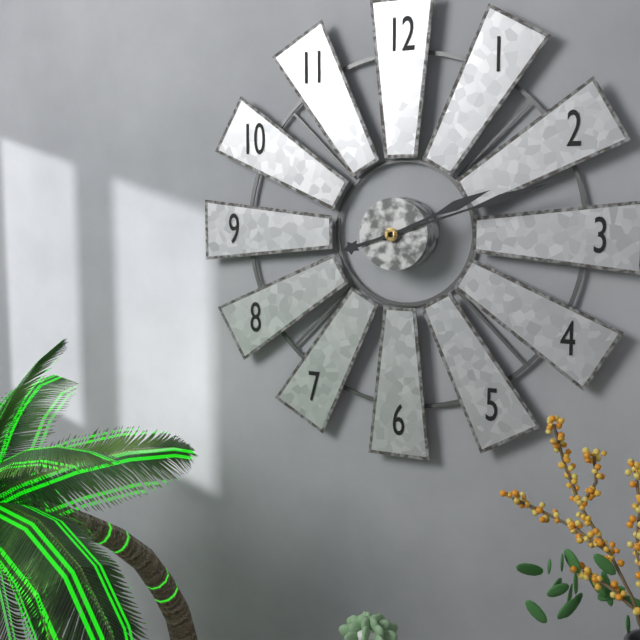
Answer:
2h12
